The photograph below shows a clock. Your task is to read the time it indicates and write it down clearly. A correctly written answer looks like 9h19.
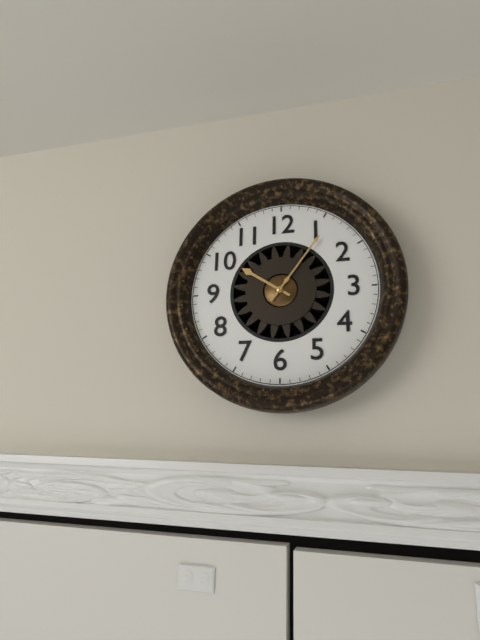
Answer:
10h06
